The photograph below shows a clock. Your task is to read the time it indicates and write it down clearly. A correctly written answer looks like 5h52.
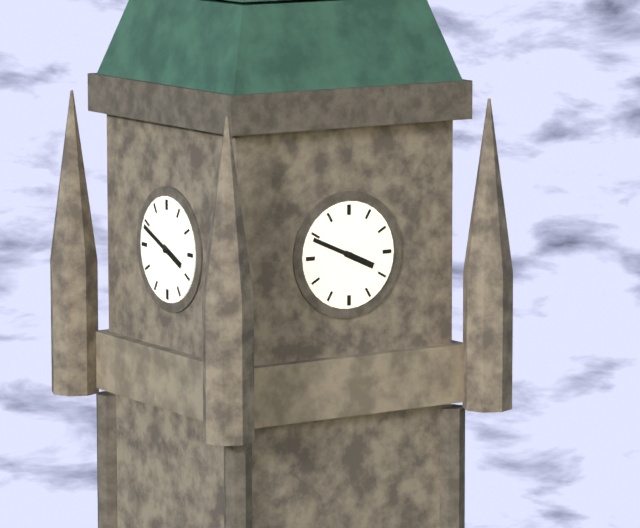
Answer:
3h49
